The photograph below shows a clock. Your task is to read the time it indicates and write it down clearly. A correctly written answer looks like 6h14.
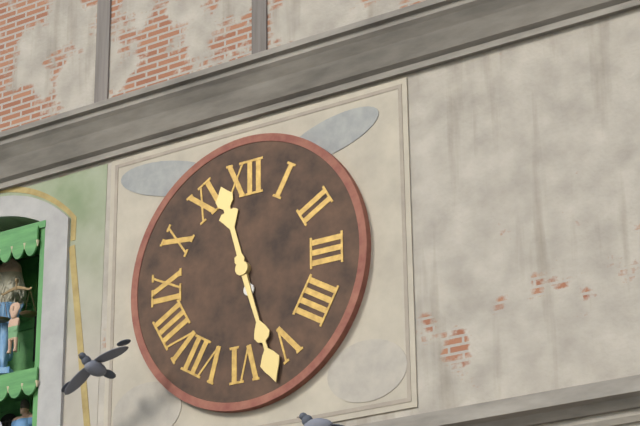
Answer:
11h27
